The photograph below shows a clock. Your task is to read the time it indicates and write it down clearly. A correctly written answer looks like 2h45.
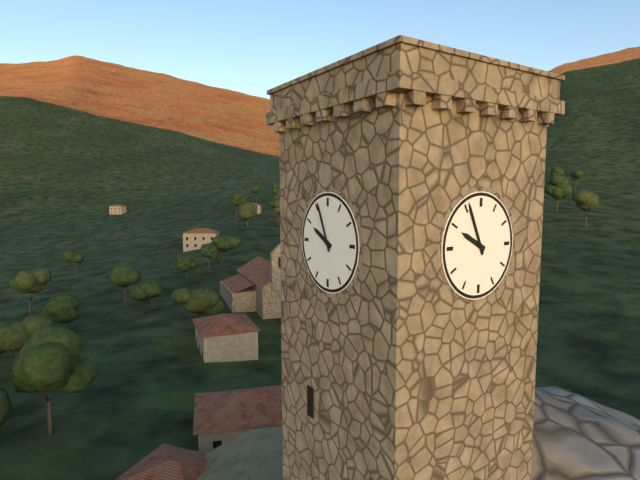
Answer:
9h56
